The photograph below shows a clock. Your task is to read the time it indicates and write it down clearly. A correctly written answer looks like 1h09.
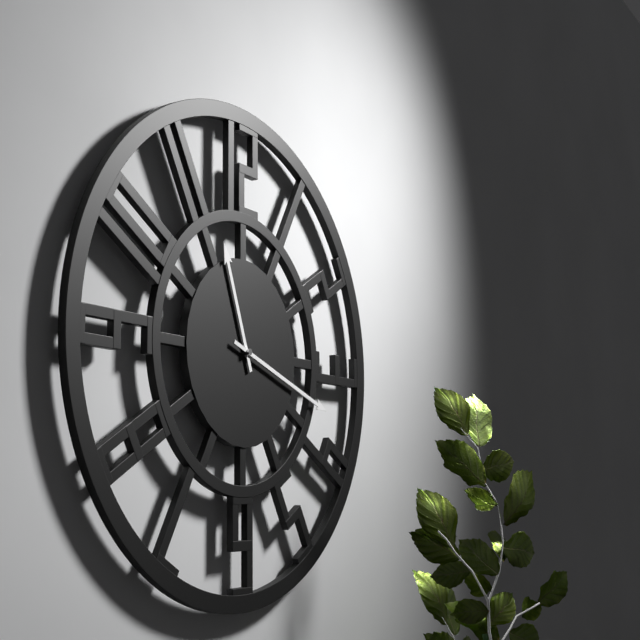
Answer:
11h18
